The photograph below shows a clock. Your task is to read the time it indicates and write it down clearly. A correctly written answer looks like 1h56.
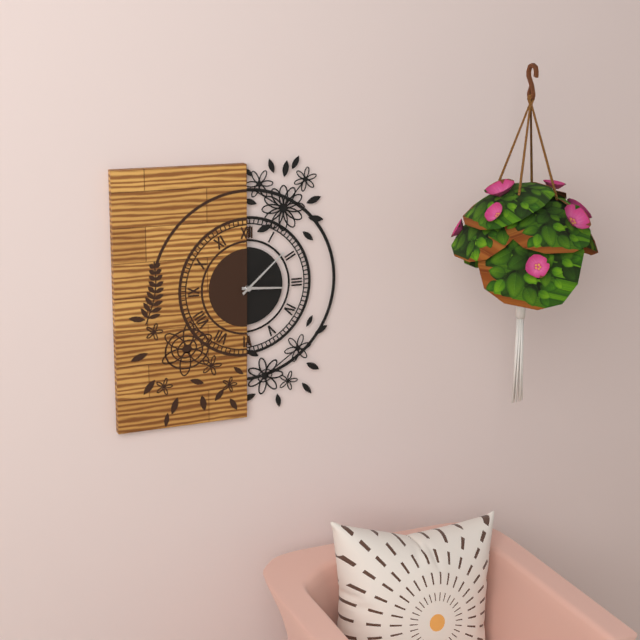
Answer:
3h08
